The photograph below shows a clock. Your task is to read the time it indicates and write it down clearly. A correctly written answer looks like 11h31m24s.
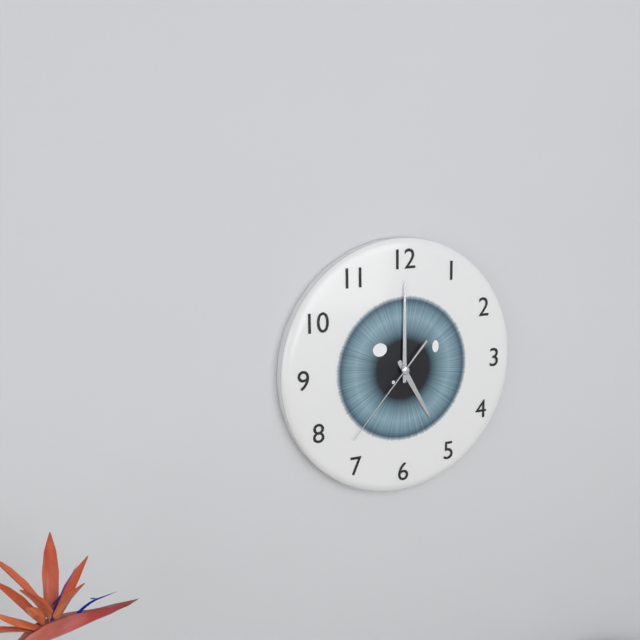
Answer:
5h00m37s
